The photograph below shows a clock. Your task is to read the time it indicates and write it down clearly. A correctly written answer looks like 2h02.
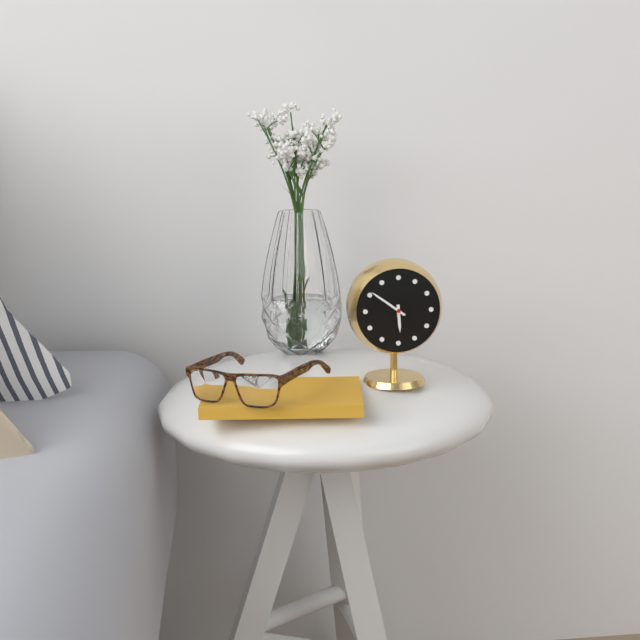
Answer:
5h51
